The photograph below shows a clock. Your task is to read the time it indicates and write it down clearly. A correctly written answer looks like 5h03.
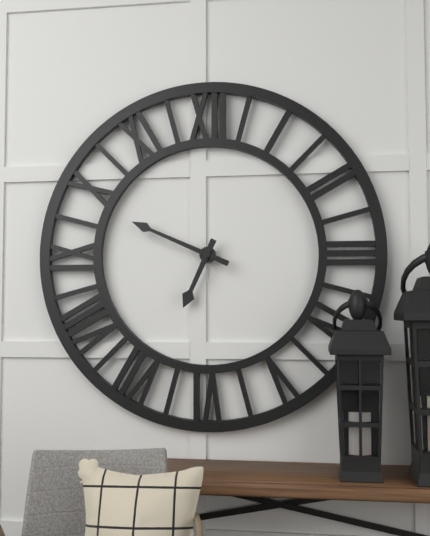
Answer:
6h49
